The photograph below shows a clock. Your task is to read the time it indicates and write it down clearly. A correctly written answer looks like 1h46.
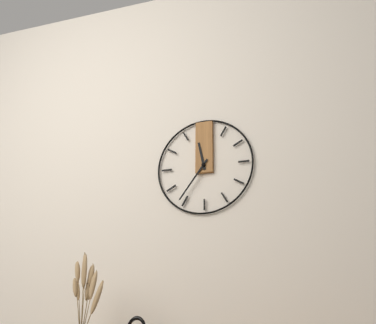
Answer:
11h36
